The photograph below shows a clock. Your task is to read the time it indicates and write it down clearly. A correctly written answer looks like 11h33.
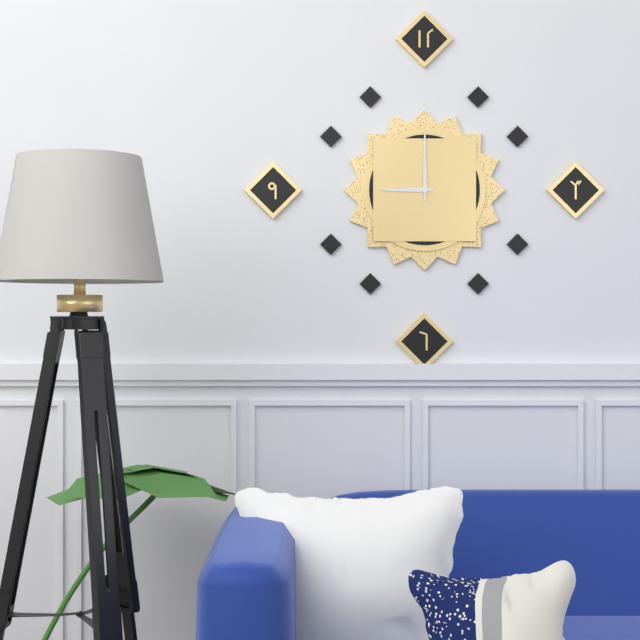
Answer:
9h00
